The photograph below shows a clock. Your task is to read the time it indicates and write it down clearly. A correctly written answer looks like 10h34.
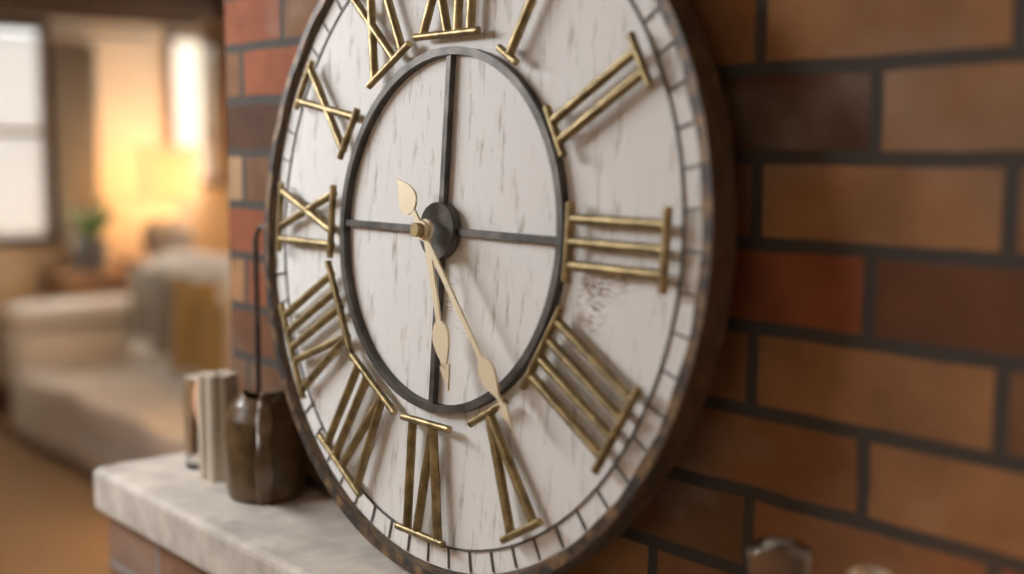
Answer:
5h23
